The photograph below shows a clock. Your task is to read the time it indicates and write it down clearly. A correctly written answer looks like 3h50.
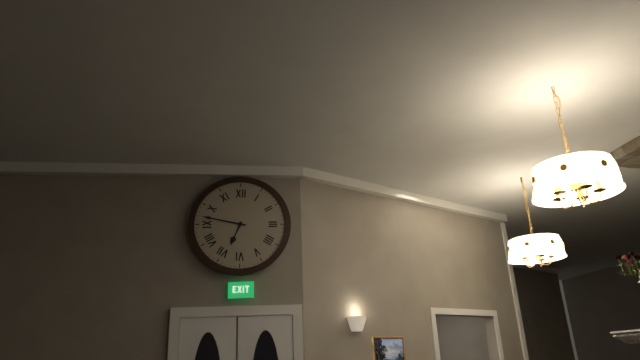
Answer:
6h47
